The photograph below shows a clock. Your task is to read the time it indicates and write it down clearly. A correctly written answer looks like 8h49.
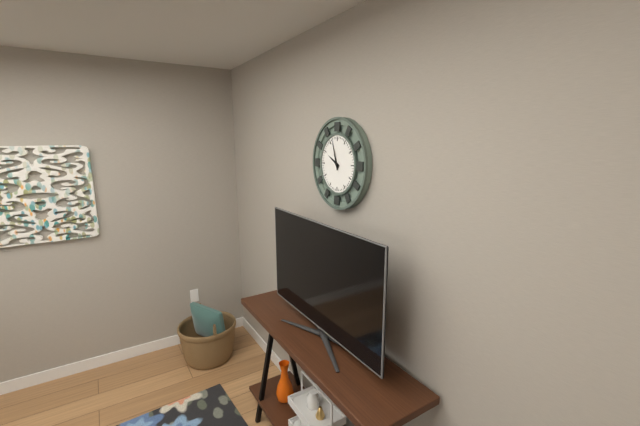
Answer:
9h57
